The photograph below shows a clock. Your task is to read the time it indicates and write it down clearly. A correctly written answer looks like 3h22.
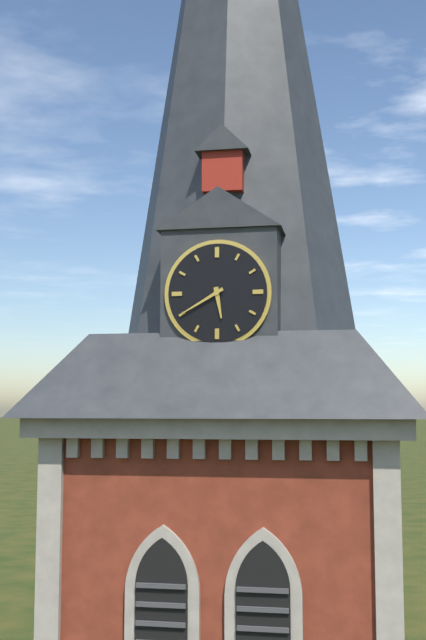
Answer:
5h40
